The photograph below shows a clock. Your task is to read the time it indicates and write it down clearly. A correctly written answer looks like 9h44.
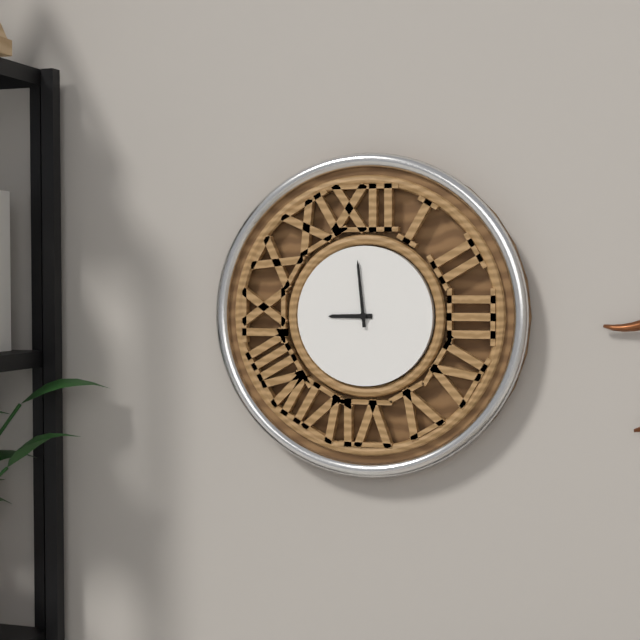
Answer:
8h59
